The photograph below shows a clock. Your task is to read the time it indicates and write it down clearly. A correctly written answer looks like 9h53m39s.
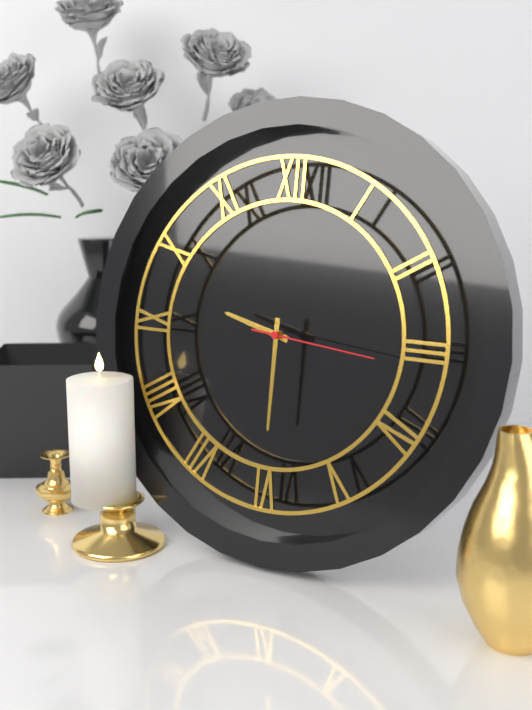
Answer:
9h30m16s
